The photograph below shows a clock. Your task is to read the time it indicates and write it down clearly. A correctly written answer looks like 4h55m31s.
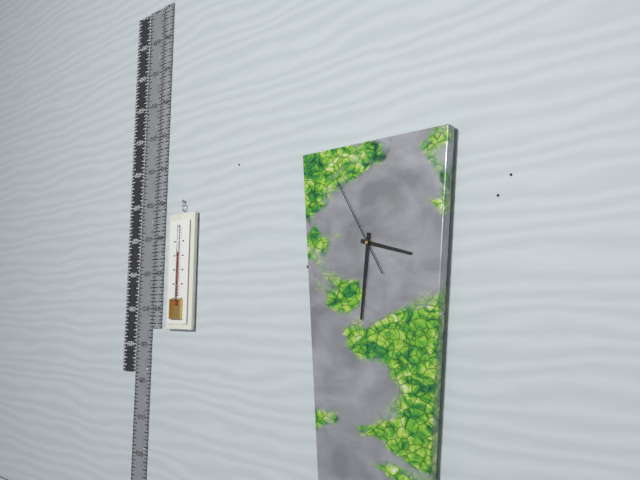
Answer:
3h31m55s
